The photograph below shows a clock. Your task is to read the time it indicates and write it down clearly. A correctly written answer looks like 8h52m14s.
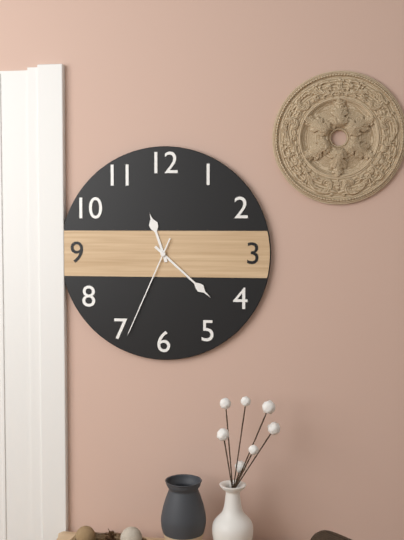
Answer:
11h22m34s
